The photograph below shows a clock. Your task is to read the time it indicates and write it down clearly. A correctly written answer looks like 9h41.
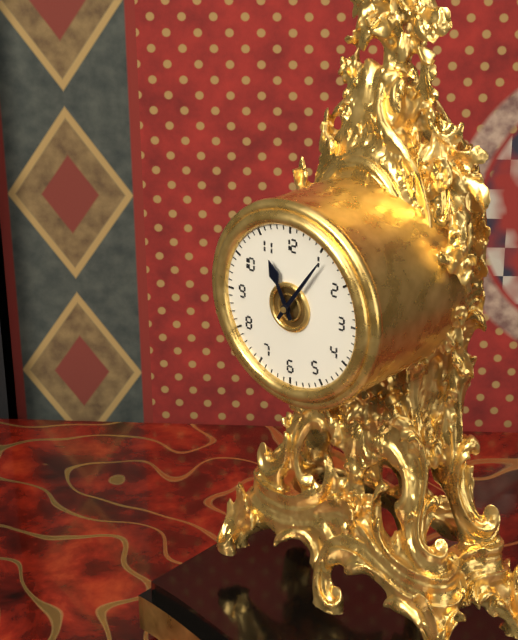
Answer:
11h06
